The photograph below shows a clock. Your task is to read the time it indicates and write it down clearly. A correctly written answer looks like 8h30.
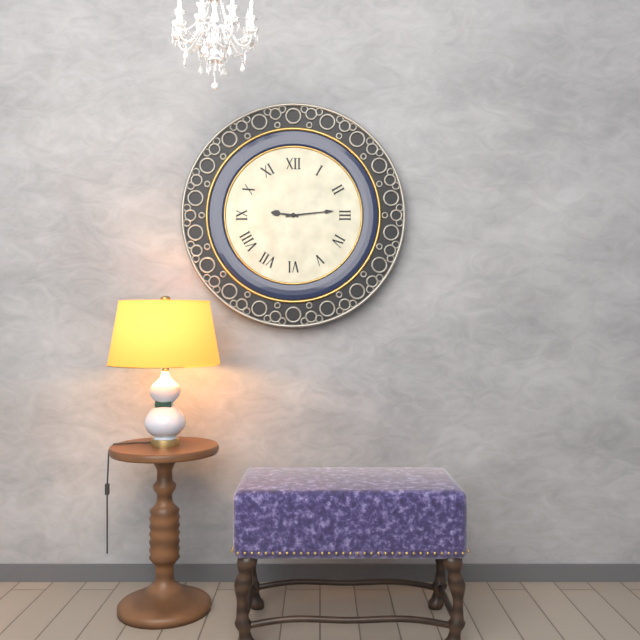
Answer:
9h14
